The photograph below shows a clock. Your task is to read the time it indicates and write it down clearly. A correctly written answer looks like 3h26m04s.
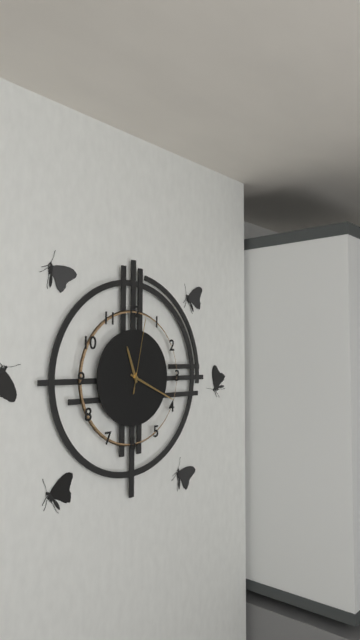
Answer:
11h19m02s
